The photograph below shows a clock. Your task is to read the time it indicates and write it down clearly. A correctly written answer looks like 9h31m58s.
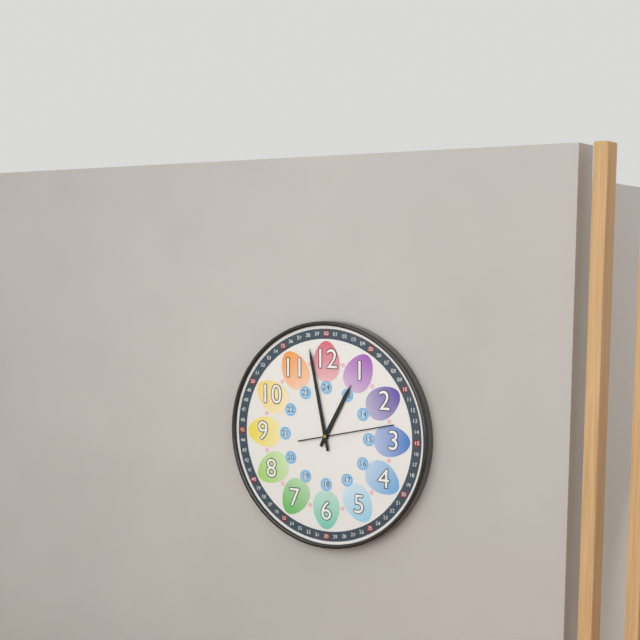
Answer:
12h58m13s
